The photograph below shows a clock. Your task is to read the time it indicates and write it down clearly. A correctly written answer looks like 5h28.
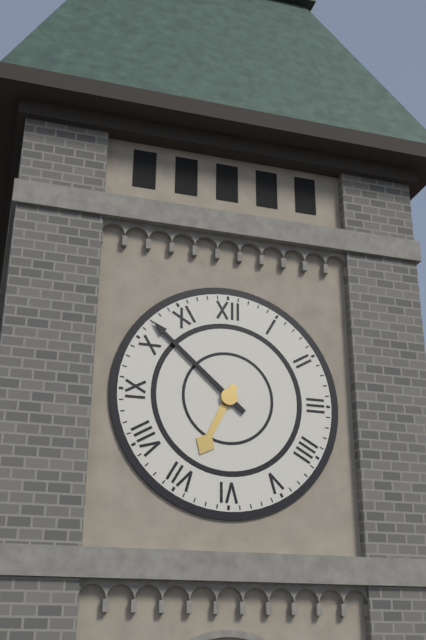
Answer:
6h52
